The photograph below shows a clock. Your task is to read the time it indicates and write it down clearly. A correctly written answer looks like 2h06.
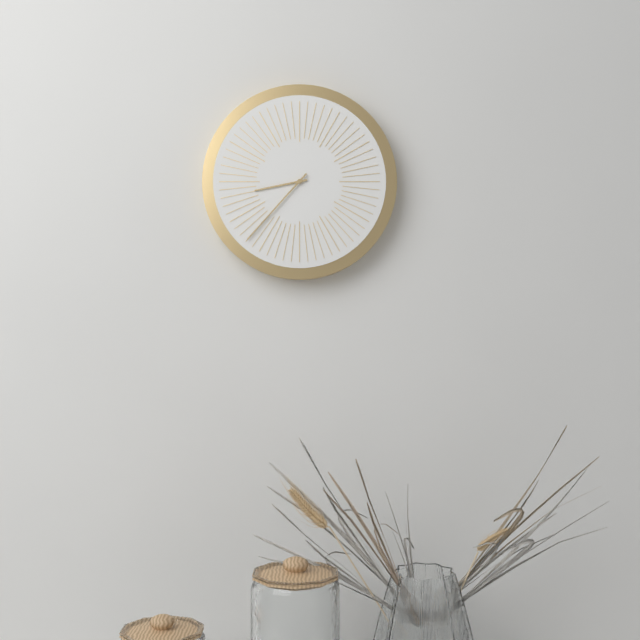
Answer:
8h37
